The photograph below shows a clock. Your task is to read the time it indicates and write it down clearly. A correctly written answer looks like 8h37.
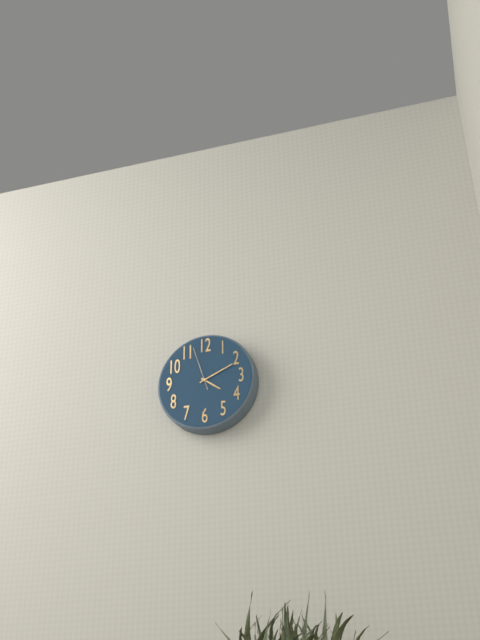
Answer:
4h11
